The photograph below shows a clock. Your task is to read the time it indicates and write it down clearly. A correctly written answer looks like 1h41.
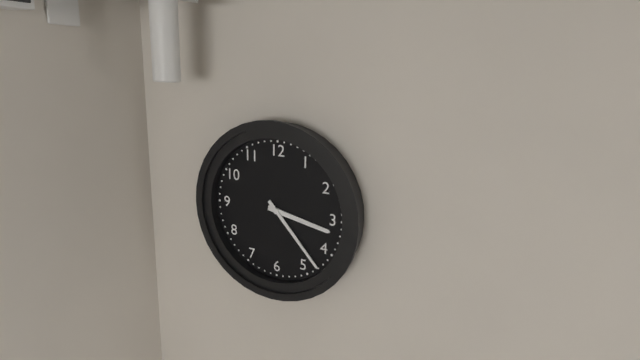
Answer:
3h23
